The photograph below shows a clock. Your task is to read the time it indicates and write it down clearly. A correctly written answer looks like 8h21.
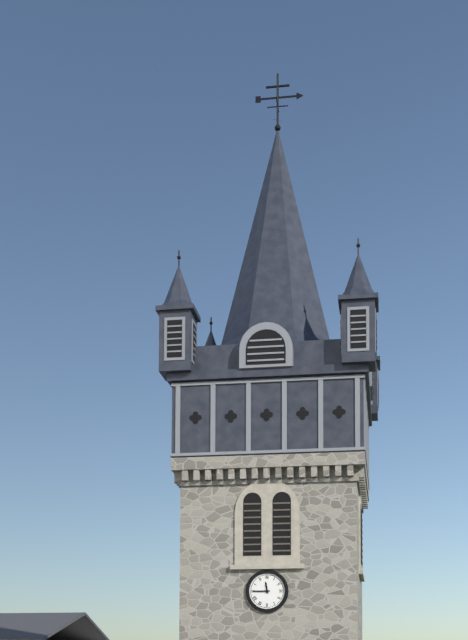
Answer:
11h45
